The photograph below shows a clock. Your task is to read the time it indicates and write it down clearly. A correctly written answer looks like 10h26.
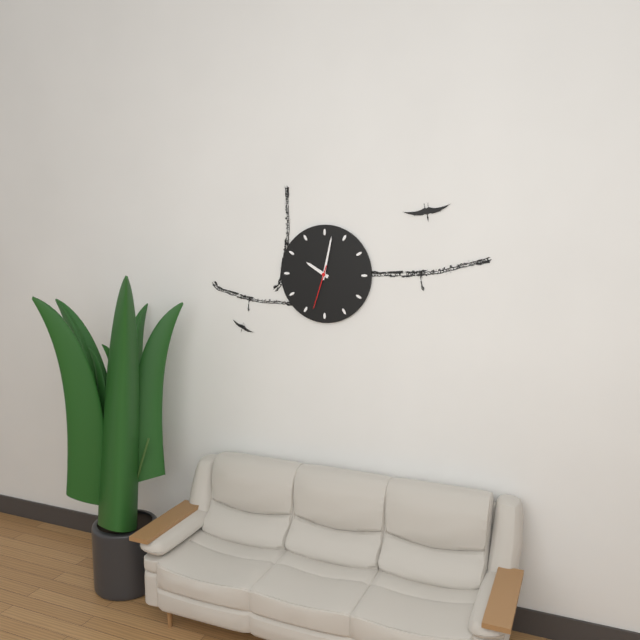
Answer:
10h02
